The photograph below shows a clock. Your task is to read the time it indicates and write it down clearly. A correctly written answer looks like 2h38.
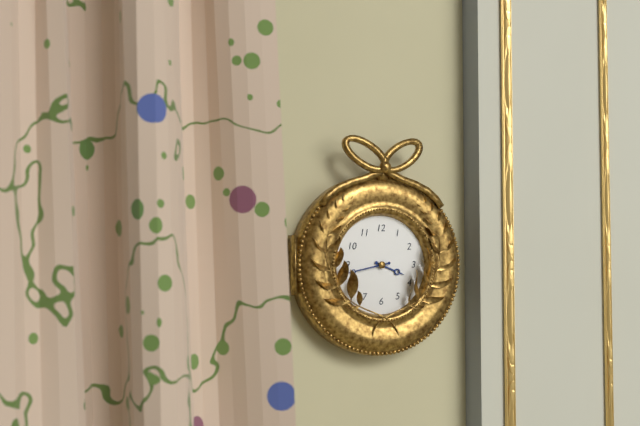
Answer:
3h43
